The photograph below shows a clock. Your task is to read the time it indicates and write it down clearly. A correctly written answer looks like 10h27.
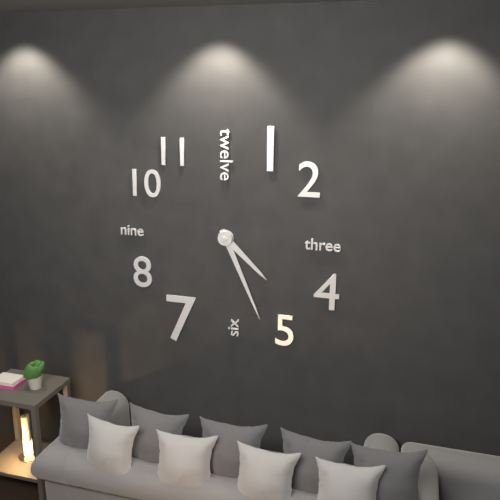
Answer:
4h26
